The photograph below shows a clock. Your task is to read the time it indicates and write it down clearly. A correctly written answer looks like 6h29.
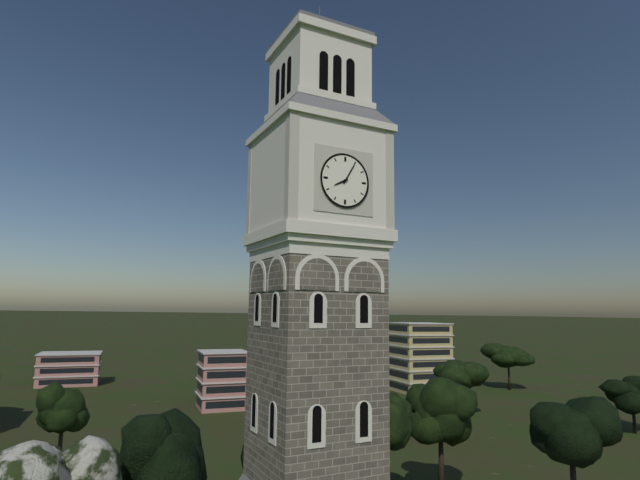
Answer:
8h05
